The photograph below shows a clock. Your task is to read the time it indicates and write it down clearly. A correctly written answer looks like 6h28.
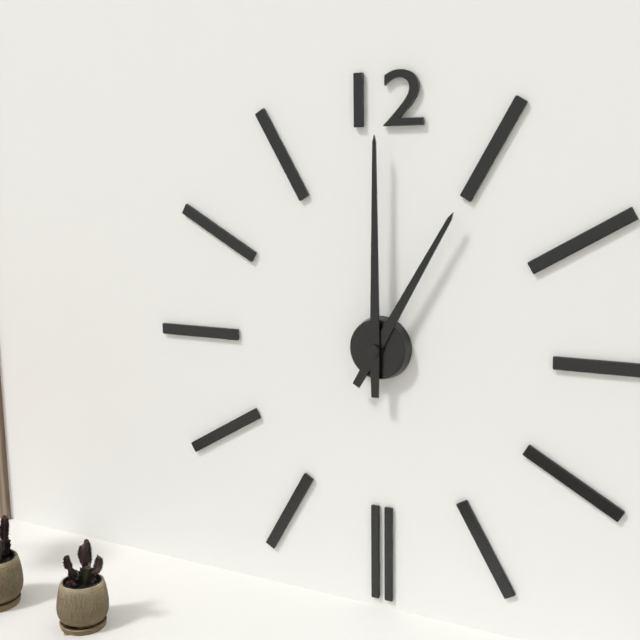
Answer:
1h00
